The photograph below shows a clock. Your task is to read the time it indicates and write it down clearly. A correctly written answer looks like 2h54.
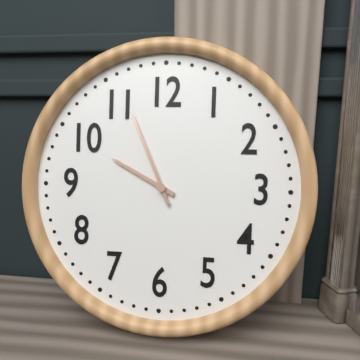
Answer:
9h56
